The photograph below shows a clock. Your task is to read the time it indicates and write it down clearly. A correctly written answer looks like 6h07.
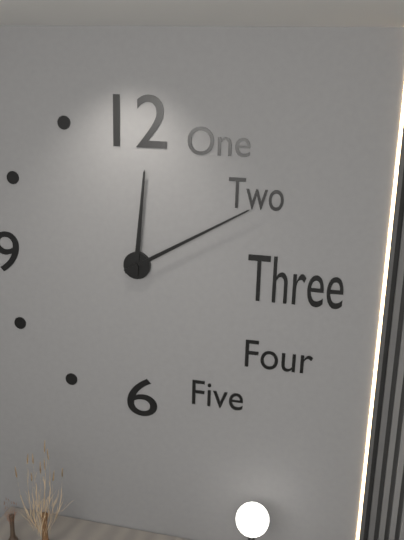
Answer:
12h10
